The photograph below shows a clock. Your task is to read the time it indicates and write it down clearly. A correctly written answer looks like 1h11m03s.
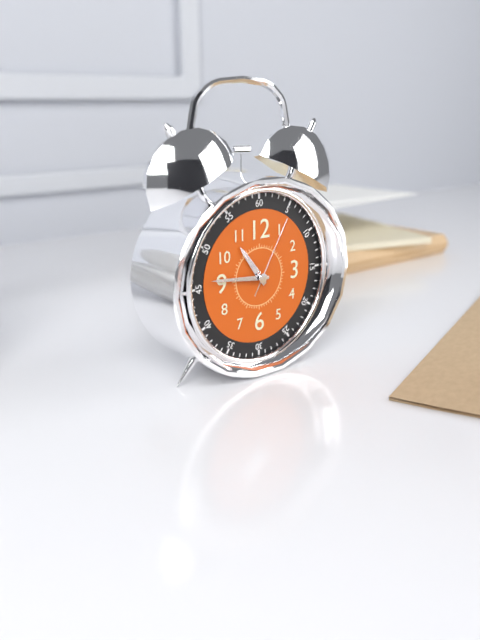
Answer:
10h46m05s
